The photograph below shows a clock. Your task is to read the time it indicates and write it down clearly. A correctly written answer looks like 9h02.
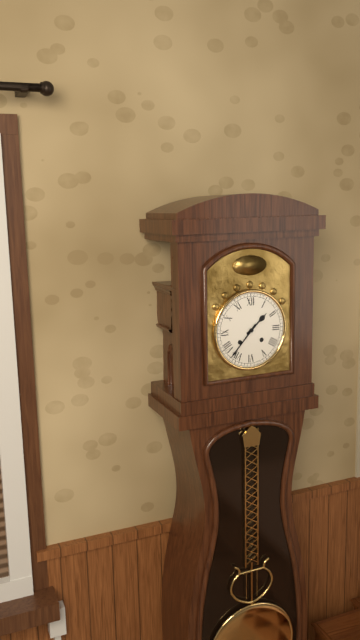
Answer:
1h37
